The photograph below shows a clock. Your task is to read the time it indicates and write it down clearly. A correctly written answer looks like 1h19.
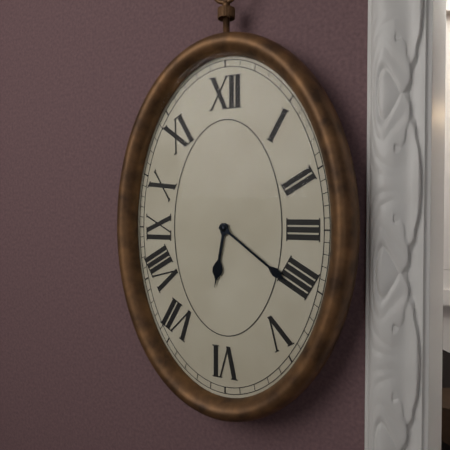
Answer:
6h21
